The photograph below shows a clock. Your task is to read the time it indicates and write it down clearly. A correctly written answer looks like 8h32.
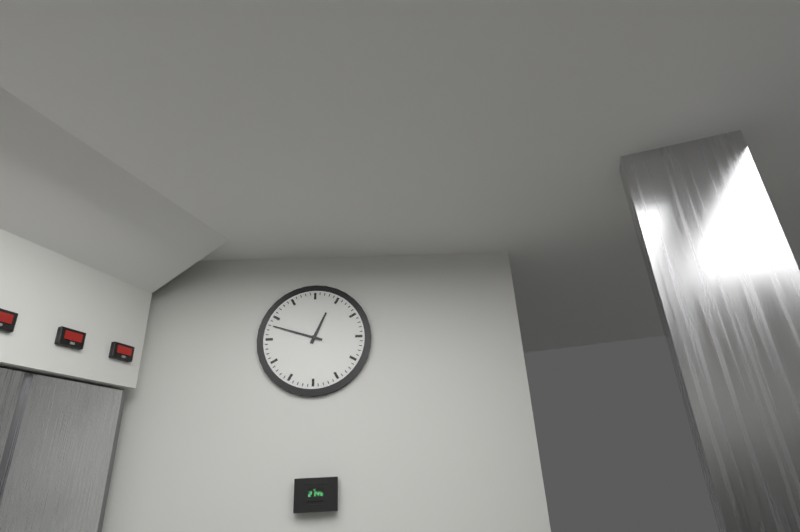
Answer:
12h48
